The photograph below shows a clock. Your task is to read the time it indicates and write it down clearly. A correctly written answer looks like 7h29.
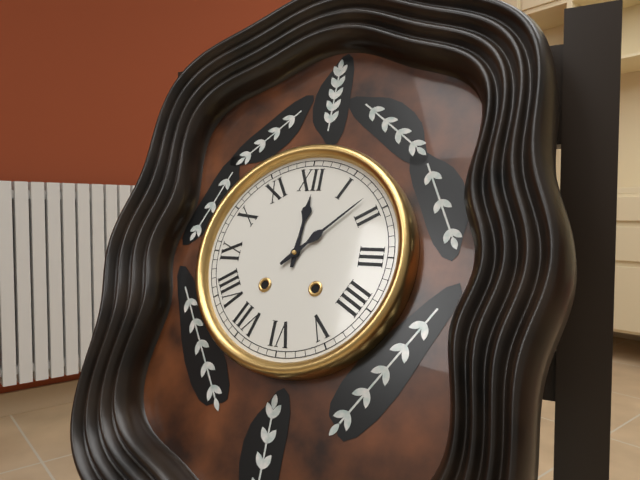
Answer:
12h08
